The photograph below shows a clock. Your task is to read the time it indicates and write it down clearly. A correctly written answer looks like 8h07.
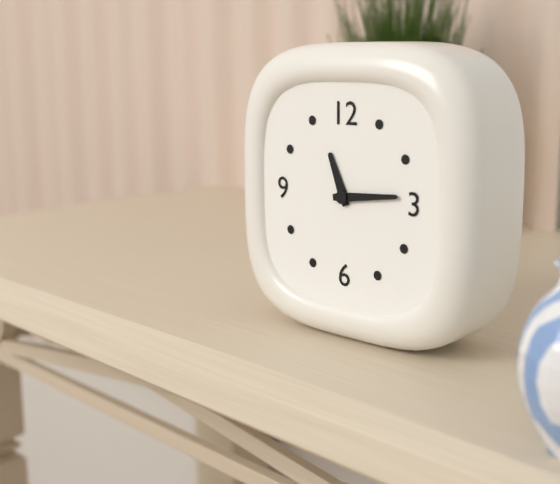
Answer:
11h14
